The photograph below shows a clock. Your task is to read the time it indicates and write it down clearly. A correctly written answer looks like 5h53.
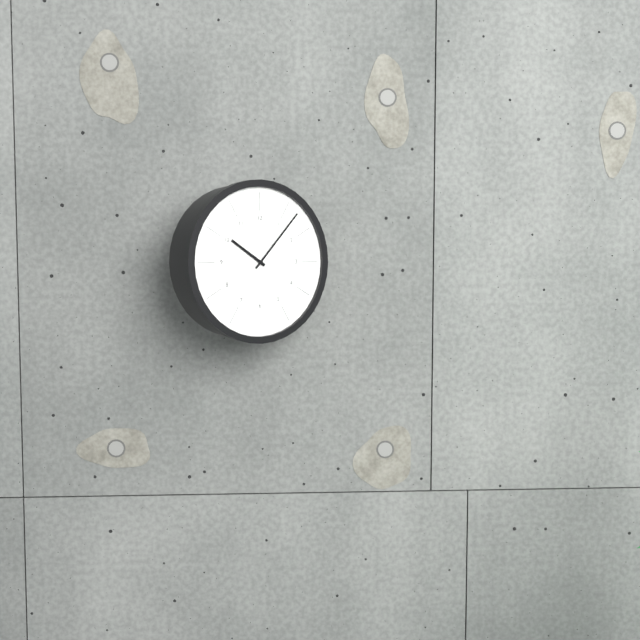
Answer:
10h07
